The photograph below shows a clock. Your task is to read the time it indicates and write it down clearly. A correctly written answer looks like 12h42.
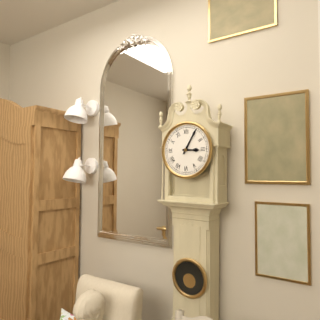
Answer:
3h05
